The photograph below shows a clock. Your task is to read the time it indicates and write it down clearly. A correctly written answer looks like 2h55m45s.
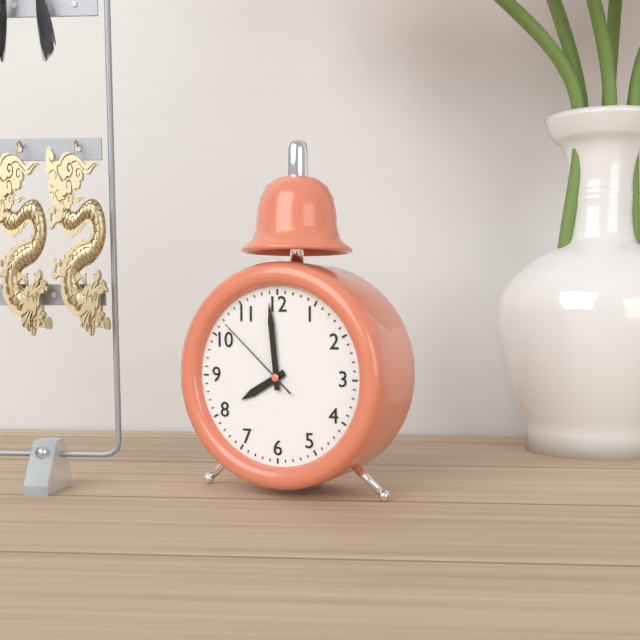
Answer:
7h59m52s
